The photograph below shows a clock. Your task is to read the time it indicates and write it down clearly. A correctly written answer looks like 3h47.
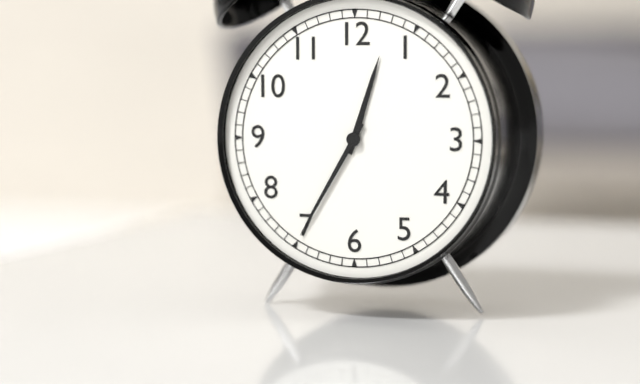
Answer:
12h35
